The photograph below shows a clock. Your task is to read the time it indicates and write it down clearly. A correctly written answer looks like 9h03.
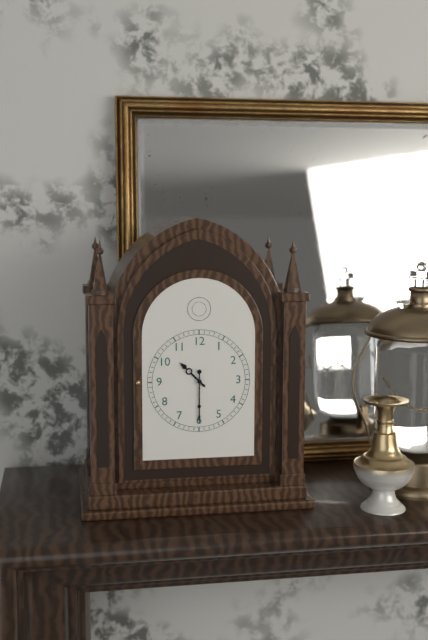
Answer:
10h30
